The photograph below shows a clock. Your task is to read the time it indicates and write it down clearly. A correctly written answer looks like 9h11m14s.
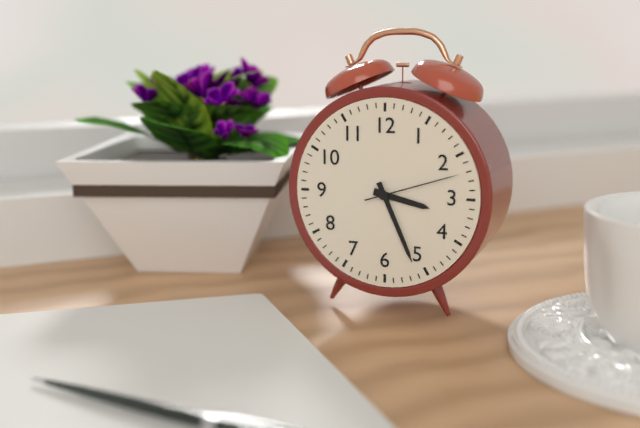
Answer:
3h26m12s
